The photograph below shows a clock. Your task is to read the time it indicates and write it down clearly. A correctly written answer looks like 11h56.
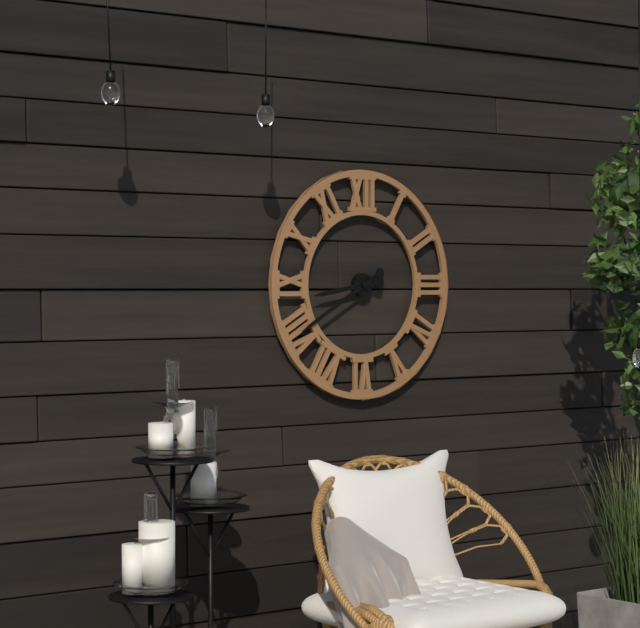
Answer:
8h40
